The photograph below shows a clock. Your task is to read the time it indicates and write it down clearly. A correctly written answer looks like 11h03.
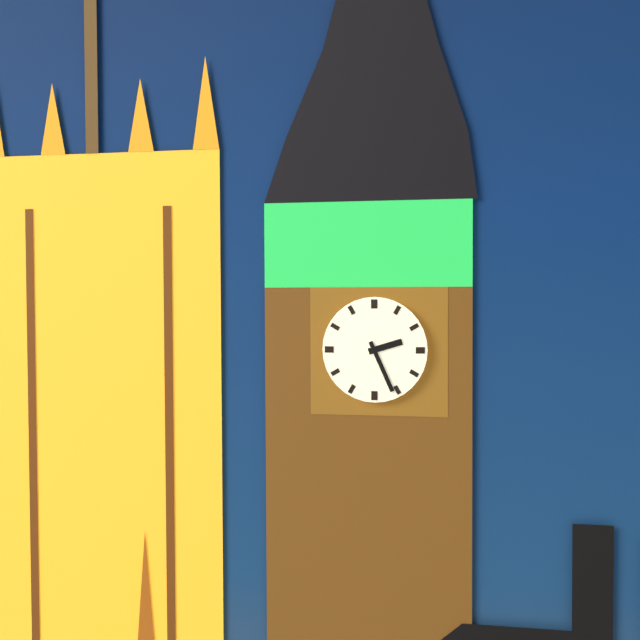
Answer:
2h26
